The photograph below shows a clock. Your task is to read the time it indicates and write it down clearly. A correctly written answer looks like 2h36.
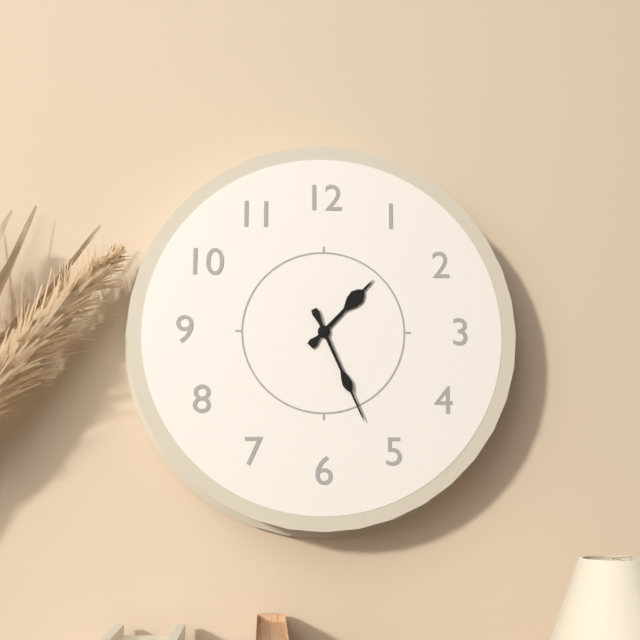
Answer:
1h26
